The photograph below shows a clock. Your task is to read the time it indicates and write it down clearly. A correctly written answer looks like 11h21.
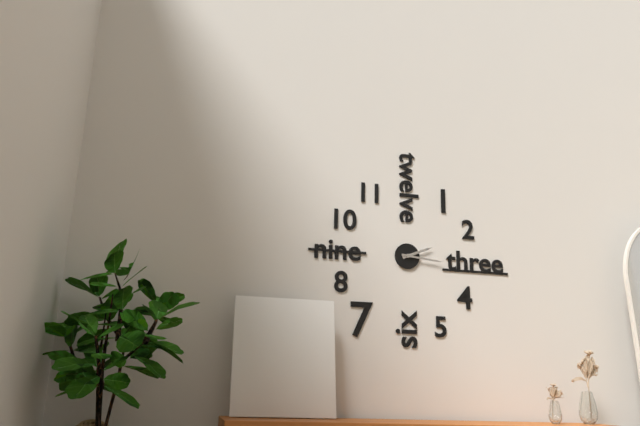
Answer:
2h16
